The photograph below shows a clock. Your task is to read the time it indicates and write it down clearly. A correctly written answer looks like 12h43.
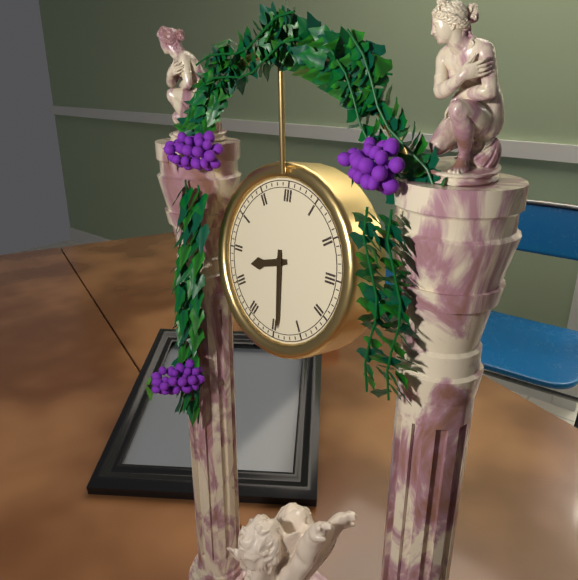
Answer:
8h29
